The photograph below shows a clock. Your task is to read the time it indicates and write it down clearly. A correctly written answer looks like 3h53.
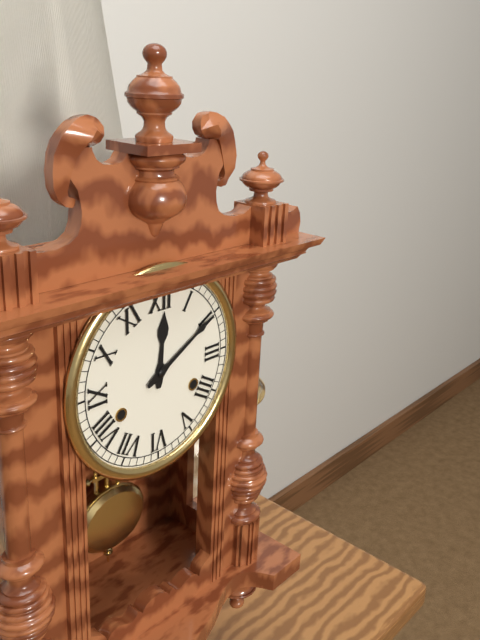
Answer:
12h10
